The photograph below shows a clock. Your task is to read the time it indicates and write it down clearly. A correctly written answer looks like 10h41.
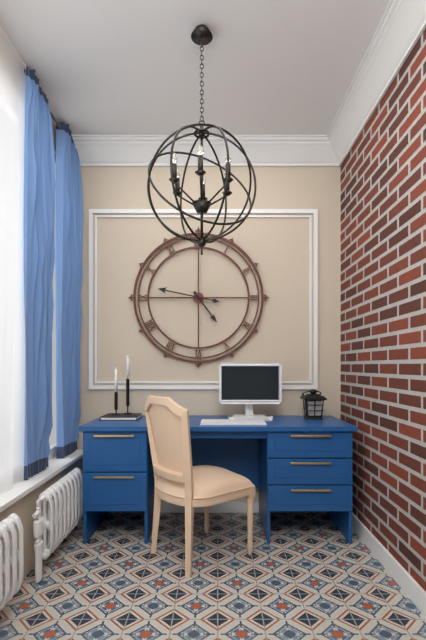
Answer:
4h47
